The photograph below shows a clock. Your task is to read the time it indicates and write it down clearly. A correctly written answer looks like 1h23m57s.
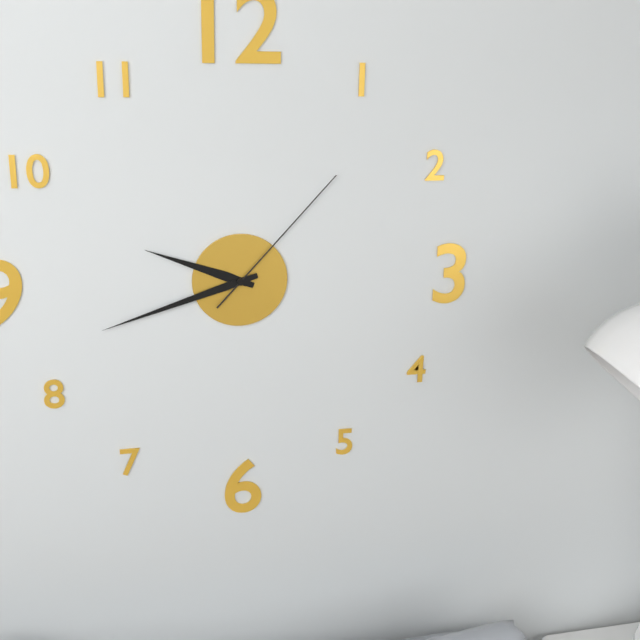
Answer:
9h42m07s
